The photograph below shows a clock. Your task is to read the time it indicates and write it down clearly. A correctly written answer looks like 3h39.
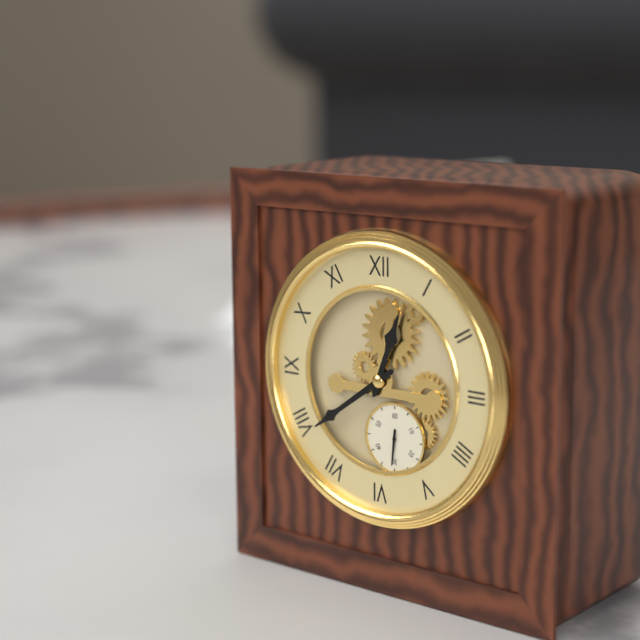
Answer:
12h39
